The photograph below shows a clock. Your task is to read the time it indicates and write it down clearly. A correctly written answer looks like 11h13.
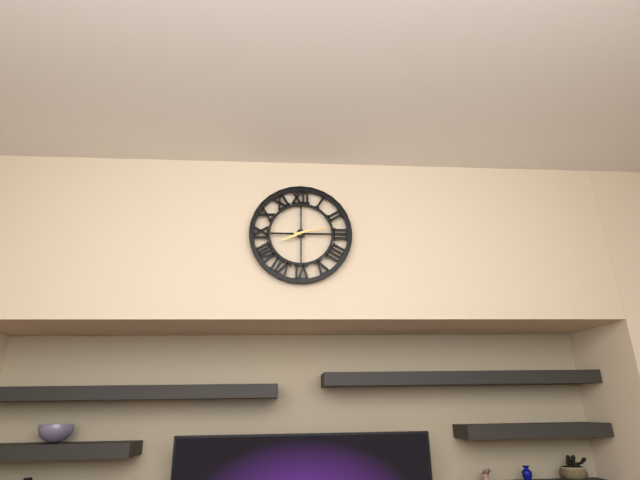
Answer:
8h13
